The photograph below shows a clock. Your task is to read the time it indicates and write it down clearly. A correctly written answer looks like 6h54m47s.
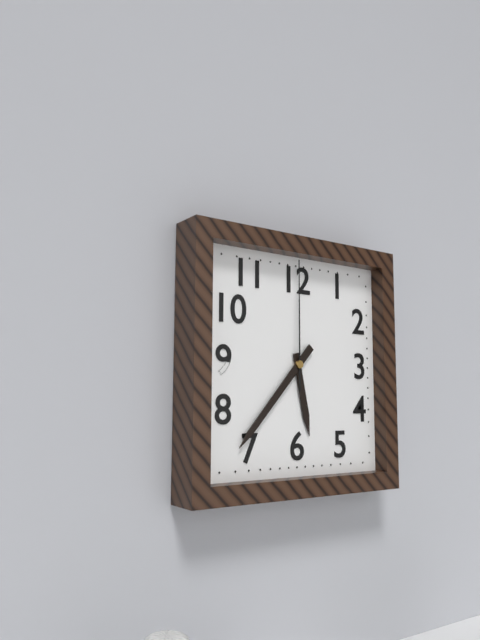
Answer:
5h37m00s
